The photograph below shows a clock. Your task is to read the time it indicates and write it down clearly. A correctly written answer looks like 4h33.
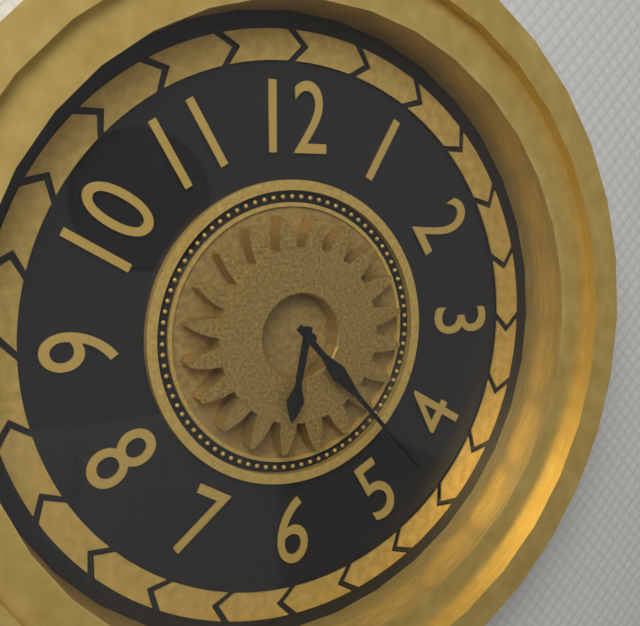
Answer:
6h23
